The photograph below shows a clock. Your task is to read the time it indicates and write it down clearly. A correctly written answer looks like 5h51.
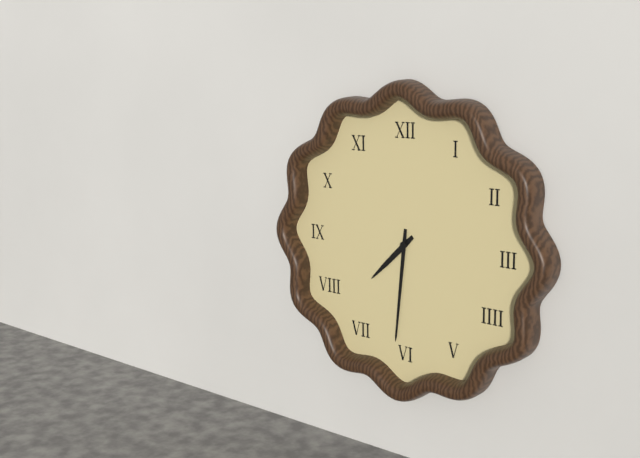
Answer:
7h31
